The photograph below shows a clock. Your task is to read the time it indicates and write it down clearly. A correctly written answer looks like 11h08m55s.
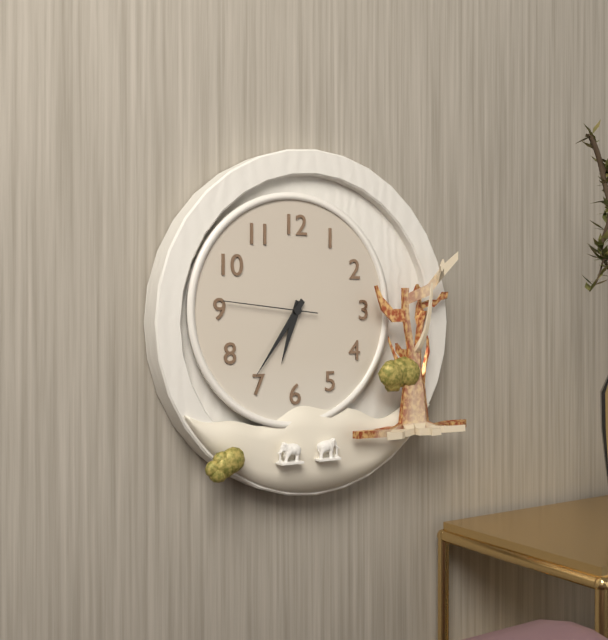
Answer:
6h36m46s
